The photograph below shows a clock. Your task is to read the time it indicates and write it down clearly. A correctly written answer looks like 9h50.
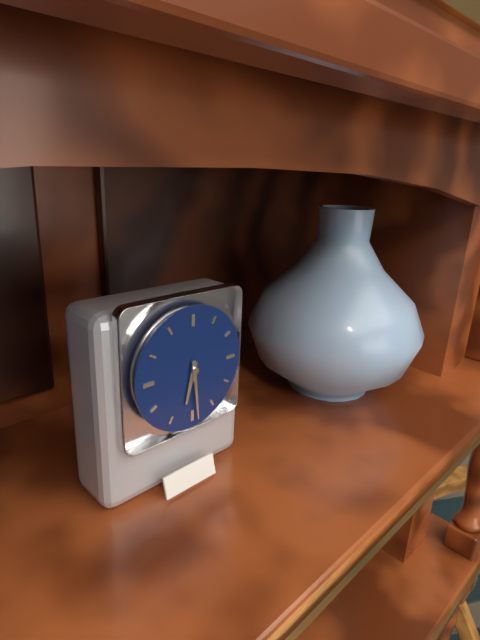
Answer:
6h29
